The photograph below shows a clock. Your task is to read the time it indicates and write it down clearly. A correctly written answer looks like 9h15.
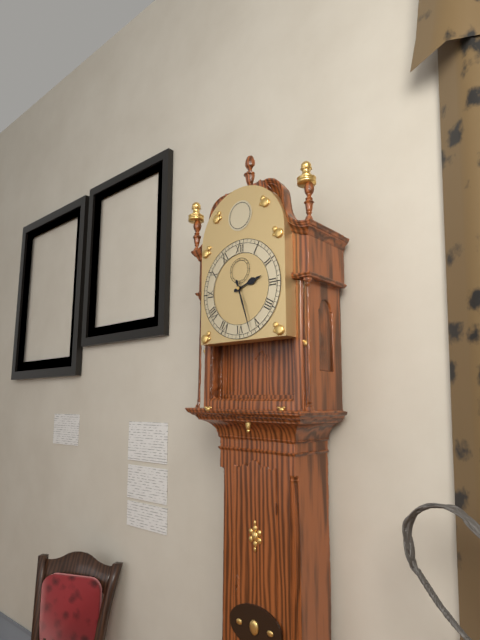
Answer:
2h27
